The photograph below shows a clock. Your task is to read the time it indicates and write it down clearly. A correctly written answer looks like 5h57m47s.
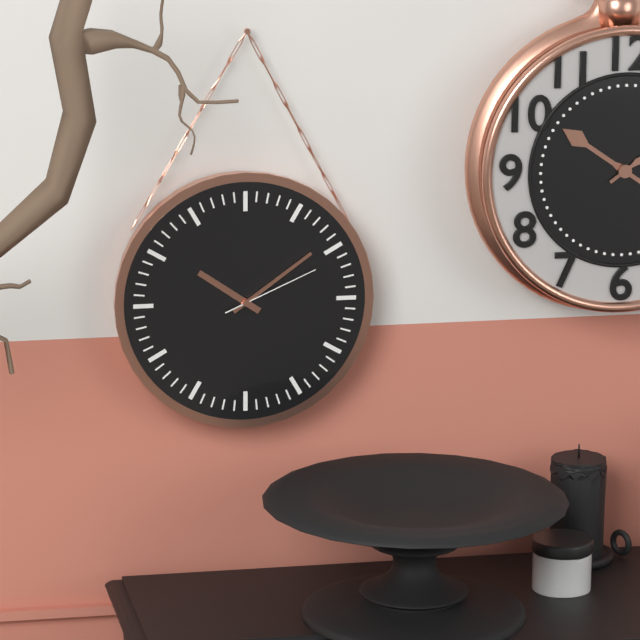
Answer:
10h09m11s
